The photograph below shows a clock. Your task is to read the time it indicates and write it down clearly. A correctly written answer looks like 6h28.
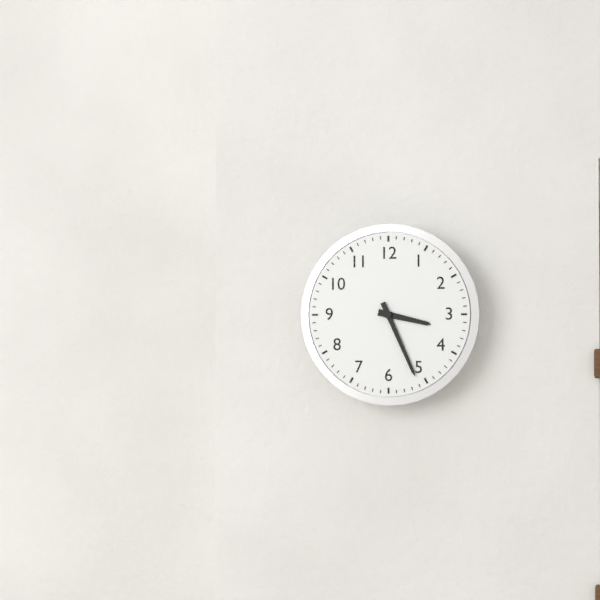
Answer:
3h26
